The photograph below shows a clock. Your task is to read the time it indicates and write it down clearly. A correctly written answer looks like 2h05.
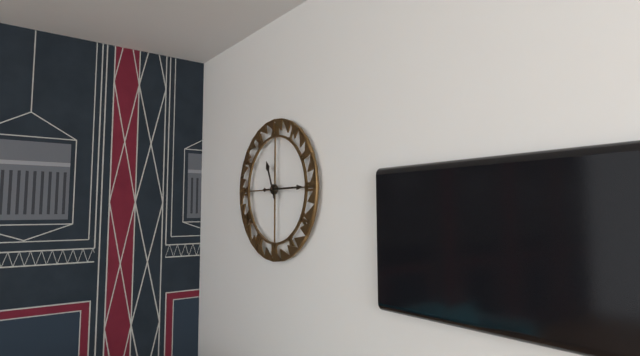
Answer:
11h15
